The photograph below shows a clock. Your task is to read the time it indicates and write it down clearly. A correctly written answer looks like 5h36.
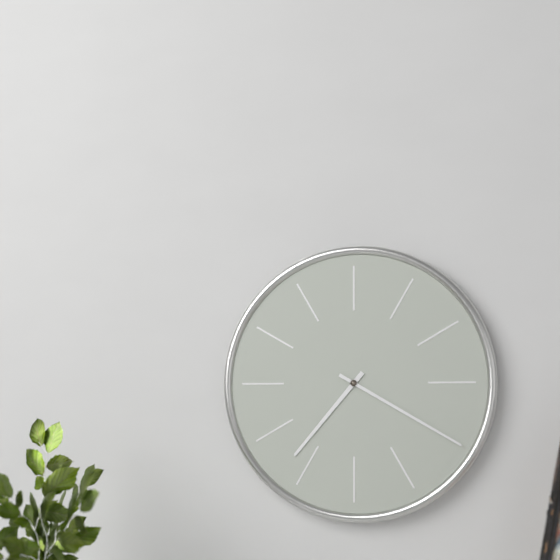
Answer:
7h20
